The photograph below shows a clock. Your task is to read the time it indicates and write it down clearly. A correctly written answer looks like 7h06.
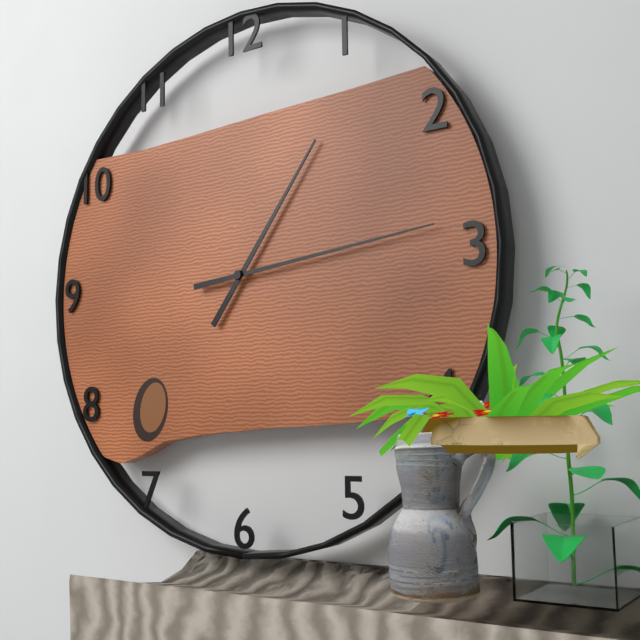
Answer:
1h14
